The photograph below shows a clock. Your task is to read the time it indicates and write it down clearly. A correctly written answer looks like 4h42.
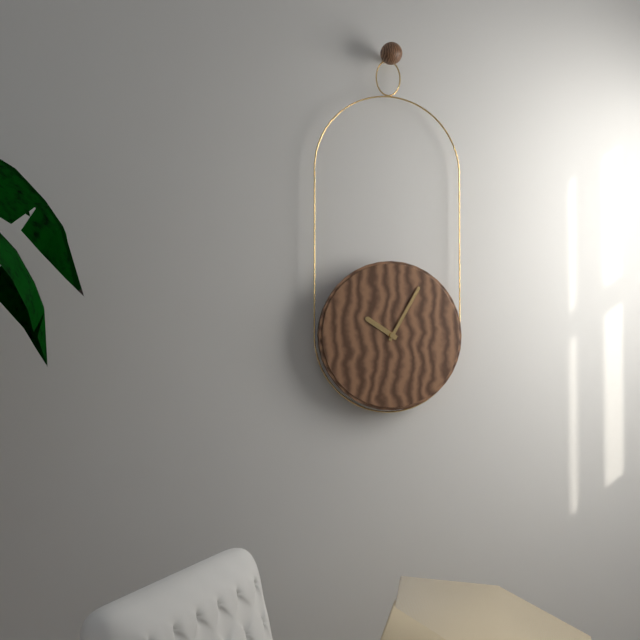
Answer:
10h05
